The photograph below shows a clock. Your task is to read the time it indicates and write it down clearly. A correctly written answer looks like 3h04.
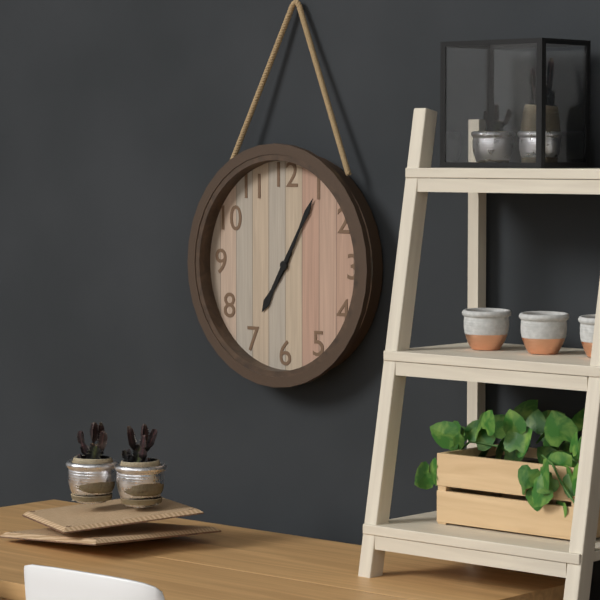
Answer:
7h05
